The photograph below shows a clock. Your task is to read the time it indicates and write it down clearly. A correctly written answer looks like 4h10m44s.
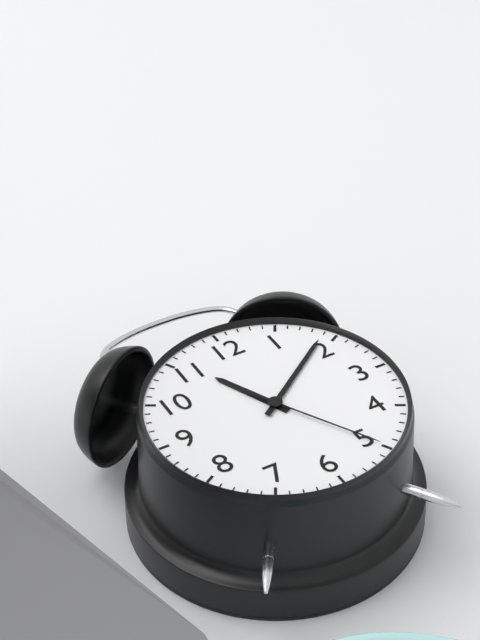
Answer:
11h09m25s
